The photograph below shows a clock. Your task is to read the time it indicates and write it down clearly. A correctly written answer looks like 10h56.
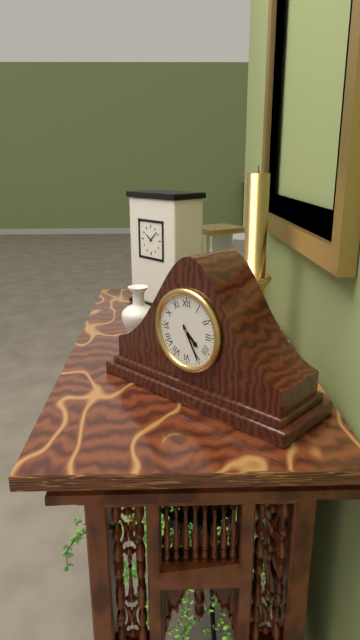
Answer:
4h25
